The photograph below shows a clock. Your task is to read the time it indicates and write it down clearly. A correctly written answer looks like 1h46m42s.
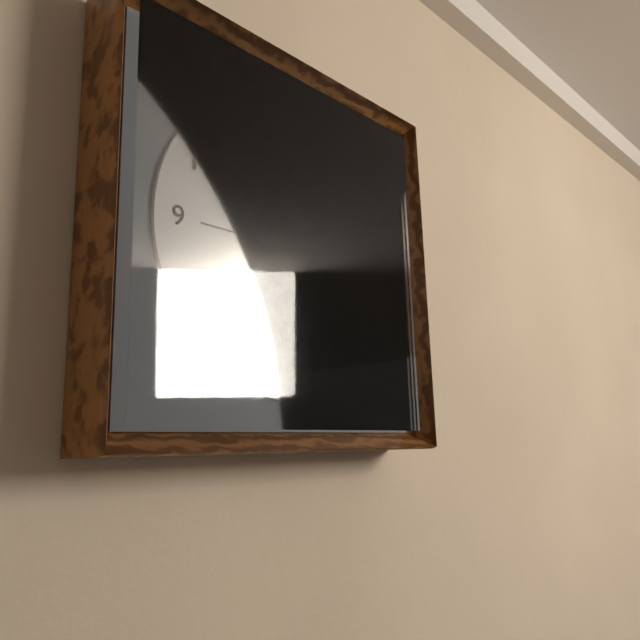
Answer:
3h18m52s
